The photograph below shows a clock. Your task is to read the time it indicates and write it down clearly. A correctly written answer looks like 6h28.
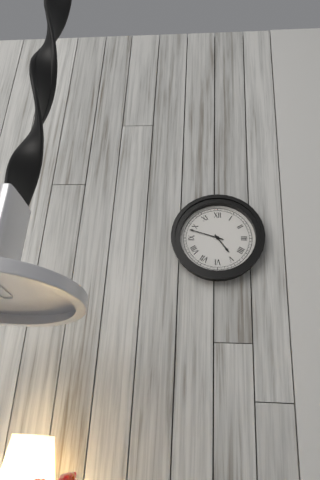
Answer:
4h48
